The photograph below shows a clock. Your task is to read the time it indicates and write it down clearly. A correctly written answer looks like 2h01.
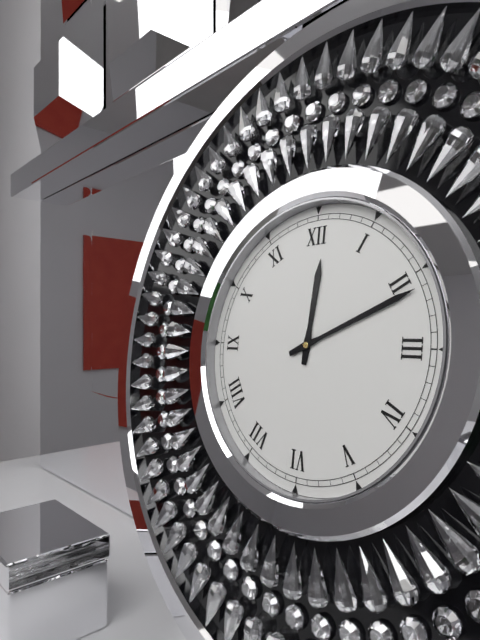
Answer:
12h11
